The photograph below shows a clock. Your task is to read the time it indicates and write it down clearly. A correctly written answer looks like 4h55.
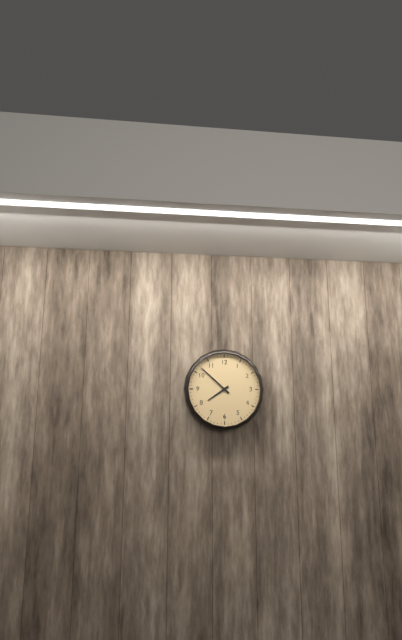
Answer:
7h52
